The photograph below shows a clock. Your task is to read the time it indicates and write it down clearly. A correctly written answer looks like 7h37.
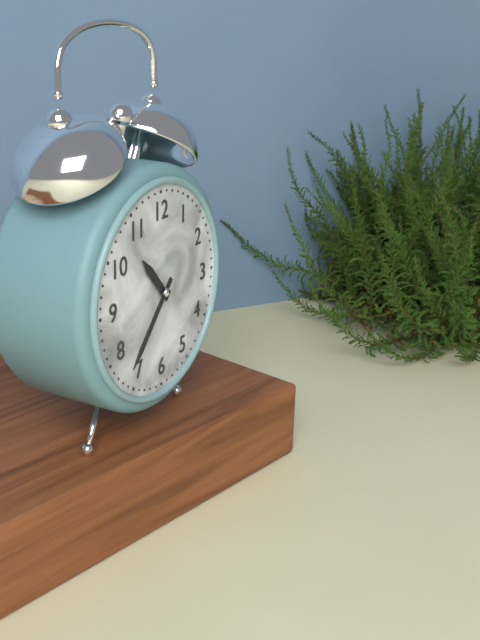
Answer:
10h37
